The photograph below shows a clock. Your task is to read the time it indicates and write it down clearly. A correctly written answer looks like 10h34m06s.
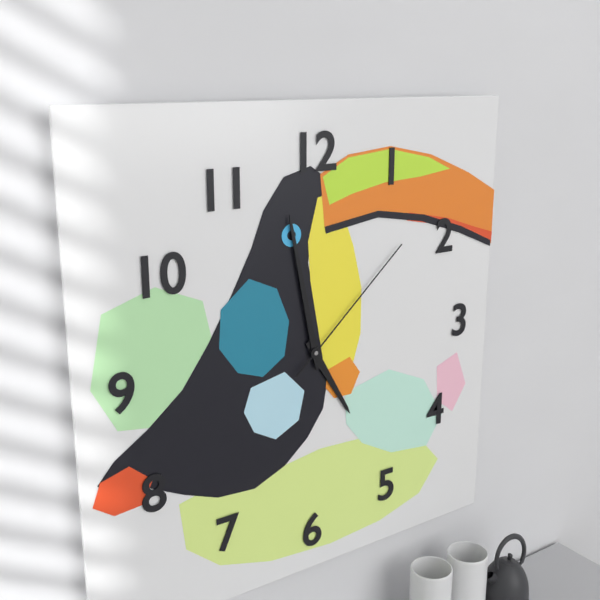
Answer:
4h58m08s
